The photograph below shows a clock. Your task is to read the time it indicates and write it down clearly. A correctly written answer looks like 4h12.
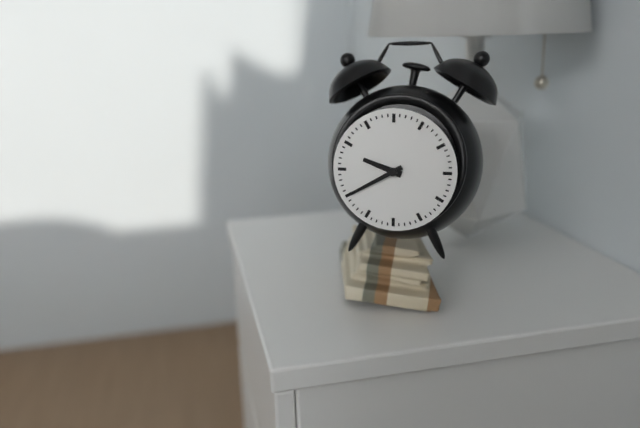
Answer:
9h40
